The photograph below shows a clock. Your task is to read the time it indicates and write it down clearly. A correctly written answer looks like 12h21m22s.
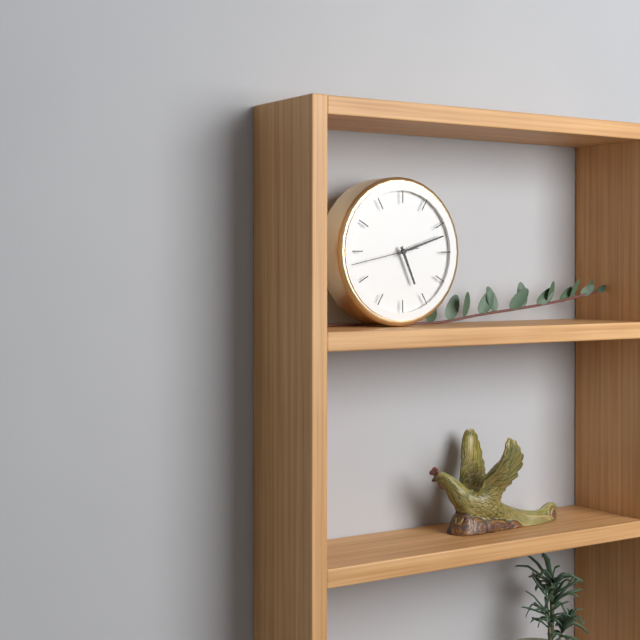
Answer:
5h12m43s
